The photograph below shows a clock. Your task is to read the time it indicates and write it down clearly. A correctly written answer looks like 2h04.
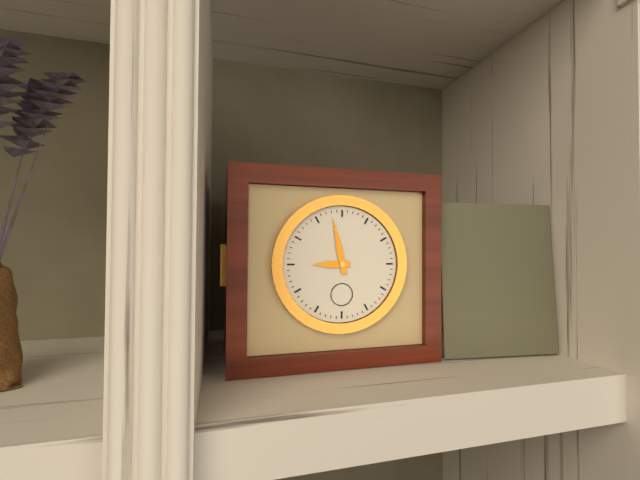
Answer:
8h58
